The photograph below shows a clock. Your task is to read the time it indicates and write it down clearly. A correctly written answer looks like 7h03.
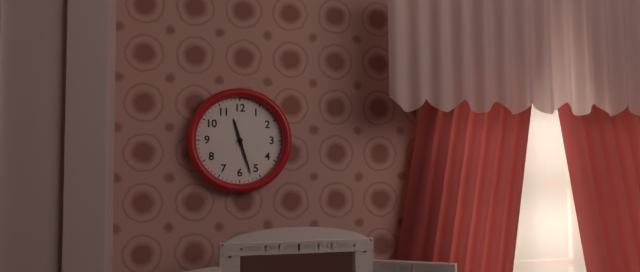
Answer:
11h27
